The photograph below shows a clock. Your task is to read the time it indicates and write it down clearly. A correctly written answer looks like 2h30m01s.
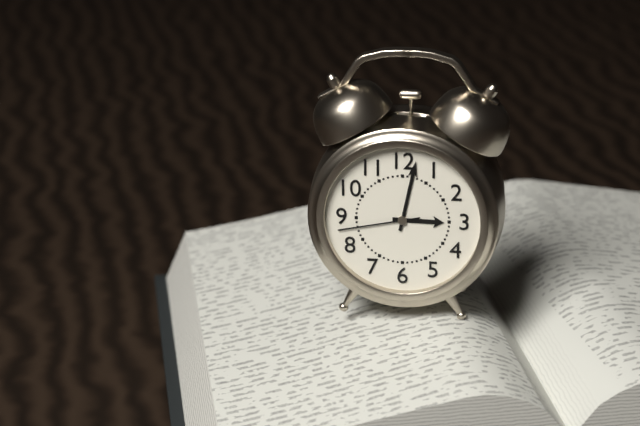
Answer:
3h02m43s
